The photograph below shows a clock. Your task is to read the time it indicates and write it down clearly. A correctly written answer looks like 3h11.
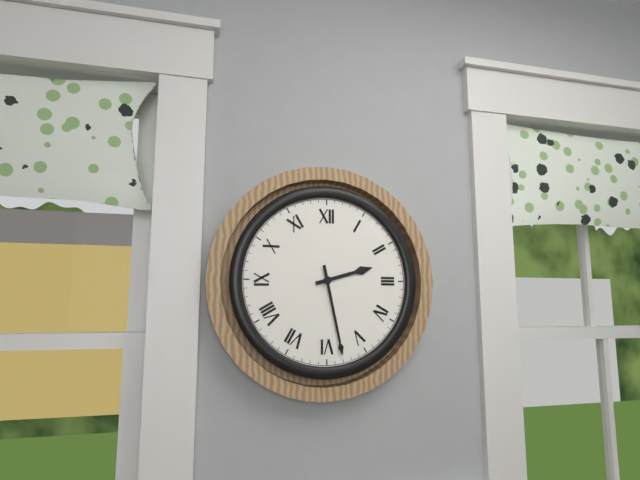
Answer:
2h28
